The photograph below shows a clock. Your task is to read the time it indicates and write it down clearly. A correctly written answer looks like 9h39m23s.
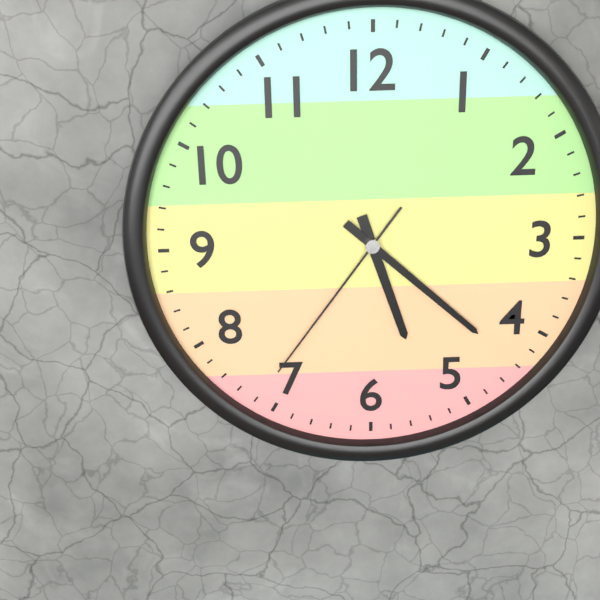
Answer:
5h22m36s
